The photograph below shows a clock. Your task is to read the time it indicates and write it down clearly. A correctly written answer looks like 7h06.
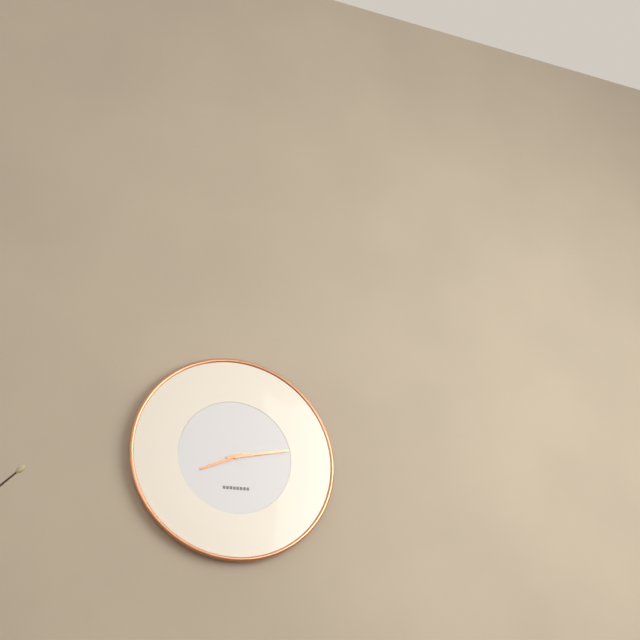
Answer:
8h13
